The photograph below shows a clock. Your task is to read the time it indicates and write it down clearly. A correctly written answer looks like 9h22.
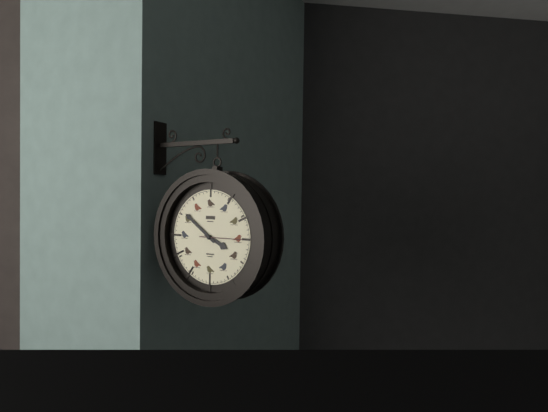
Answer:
3h51
